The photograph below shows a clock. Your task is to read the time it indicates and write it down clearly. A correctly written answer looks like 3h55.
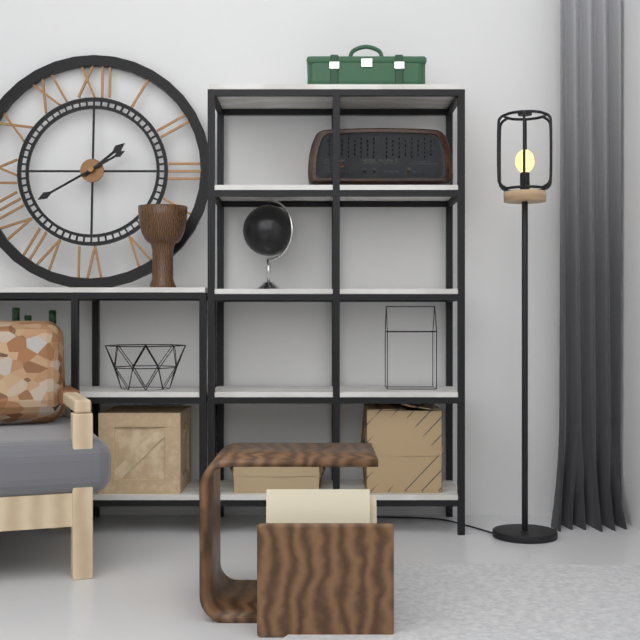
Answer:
1h40
